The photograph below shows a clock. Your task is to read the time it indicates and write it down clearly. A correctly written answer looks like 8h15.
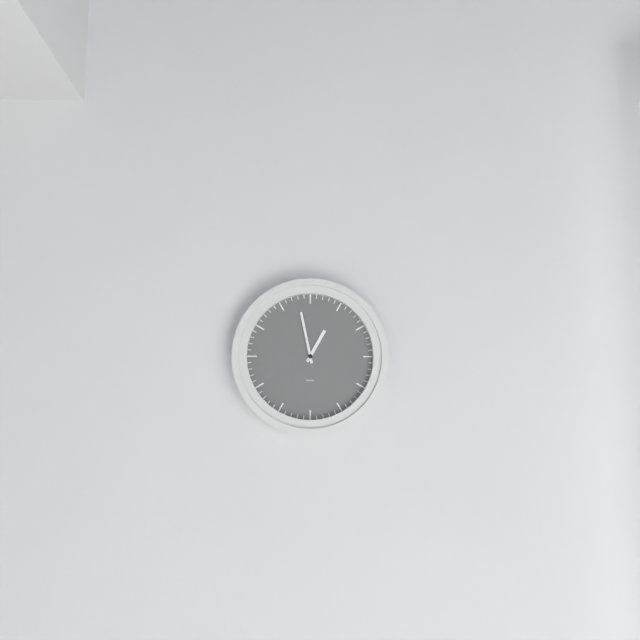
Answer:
12h58
